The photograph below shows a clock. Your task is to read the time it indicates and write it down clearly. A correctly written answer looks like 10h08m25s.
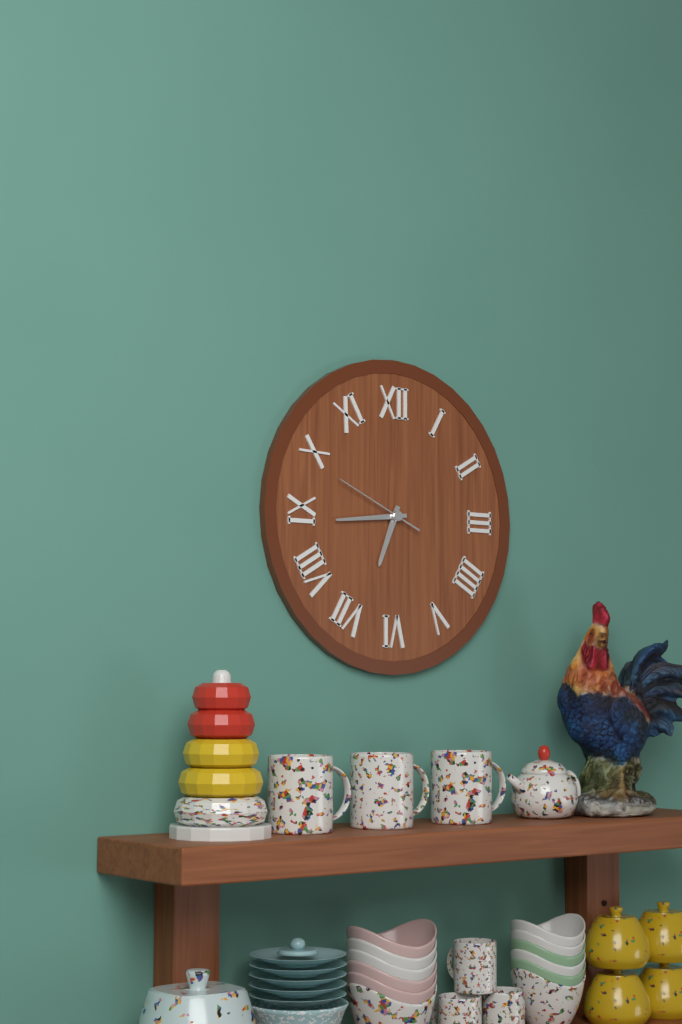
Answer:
6h44m49s
